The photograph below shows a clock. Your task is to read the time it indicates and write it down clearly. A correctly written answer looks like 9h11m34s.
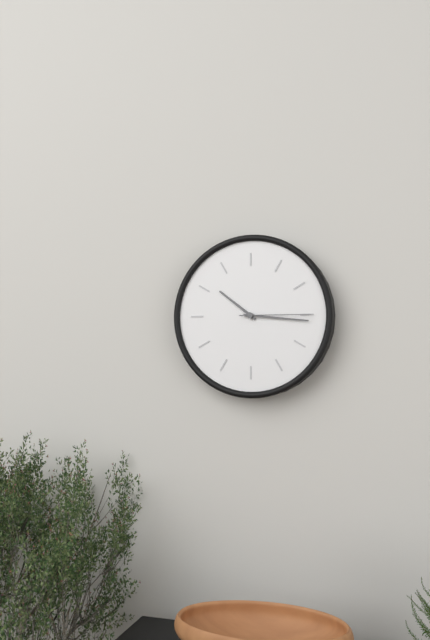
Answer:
10h16m15s
